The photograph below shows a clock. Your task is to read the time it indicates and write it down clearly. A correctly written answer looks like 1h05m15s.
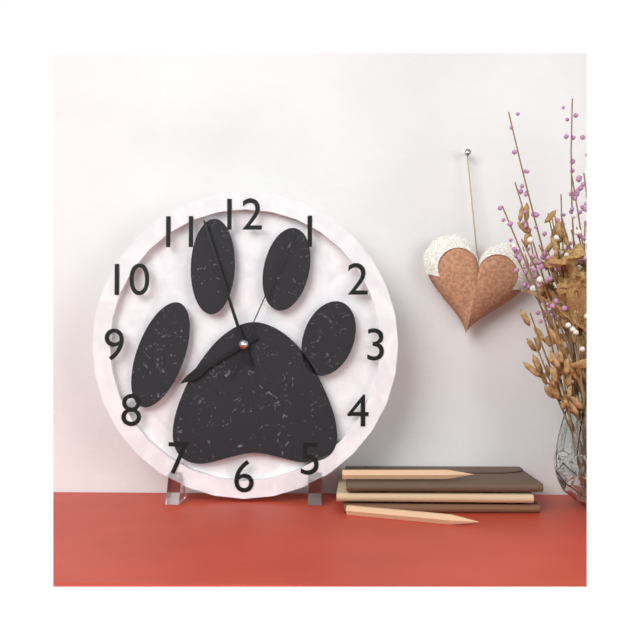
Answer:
7h57m04s
